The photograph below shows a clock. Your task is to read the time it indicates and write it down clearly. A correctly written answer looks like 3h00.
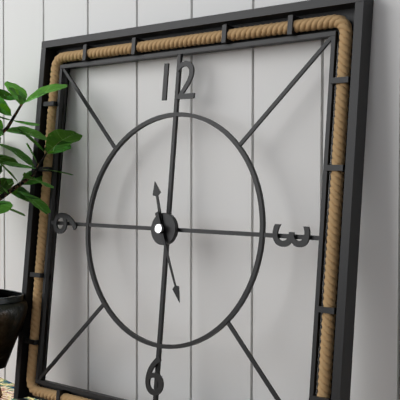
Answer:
11h26
